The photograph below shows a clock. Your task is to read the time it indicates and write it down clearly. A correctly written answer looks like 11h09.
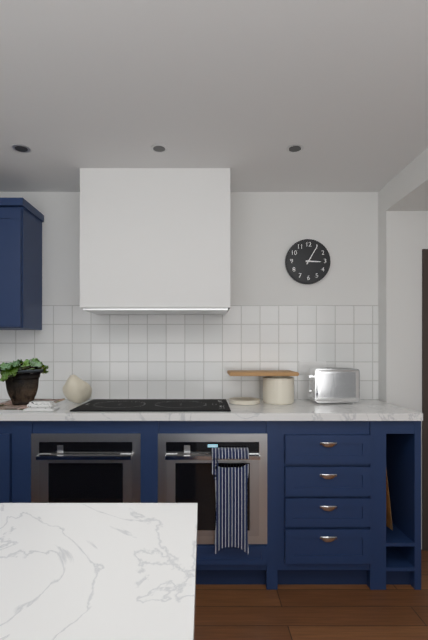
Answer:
3h05
